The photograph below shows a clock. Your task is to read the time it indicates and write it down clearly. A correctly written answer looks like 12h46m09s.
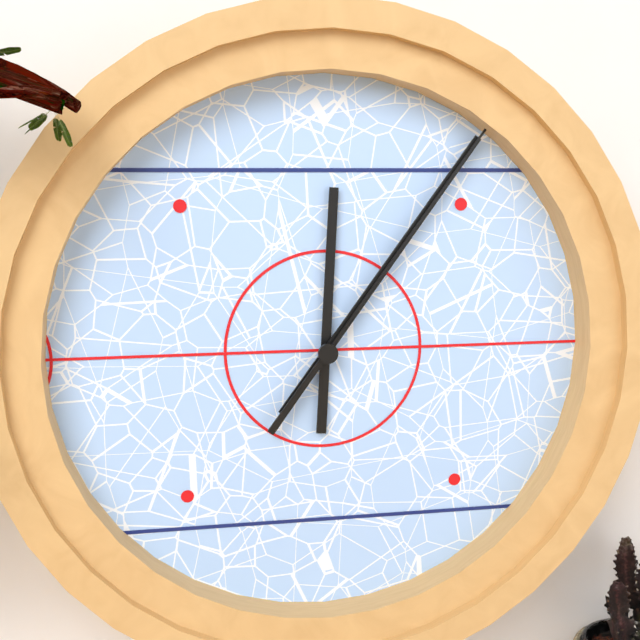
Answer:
12h06m06s
